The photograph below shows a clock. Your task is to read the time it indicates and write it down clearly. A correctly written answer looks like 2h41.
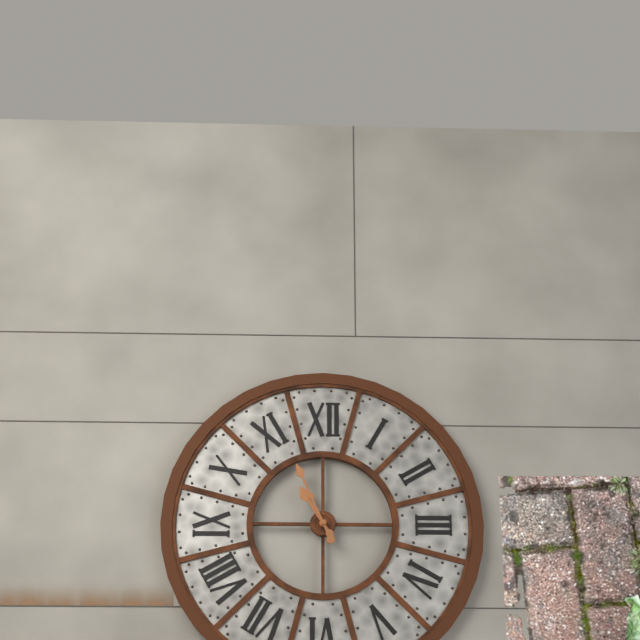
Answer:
10h56
